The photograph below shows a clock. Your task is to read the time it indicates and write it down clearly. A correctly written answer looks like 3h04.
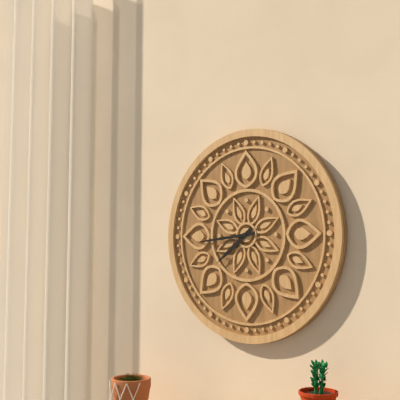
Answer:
7h44
